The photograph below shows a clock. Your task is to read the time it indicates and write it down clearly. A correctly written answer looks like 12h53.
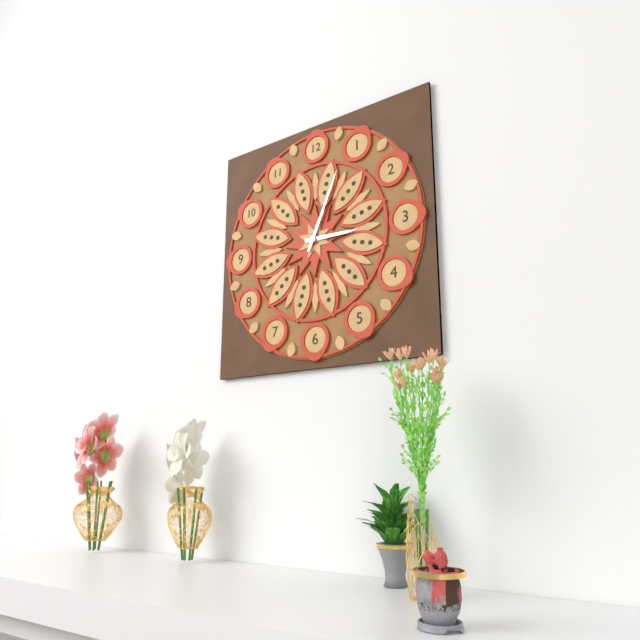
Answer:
3h04
